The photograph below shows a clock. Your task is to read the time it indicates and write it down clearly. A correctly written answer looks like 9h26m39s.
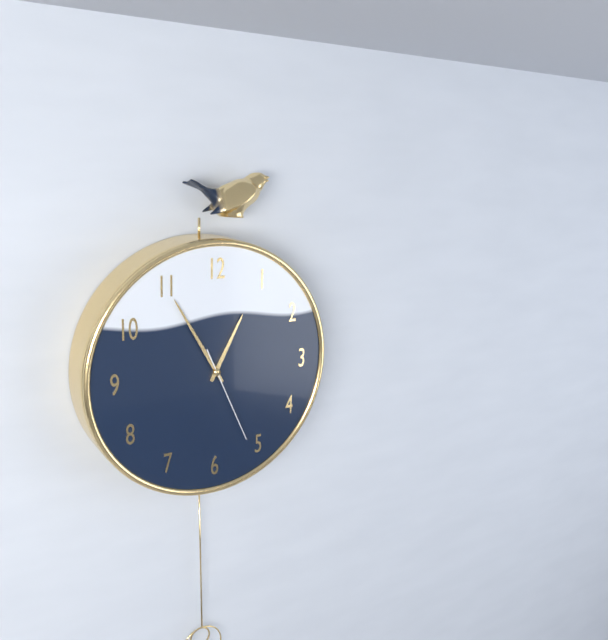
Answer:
12h55m26s
